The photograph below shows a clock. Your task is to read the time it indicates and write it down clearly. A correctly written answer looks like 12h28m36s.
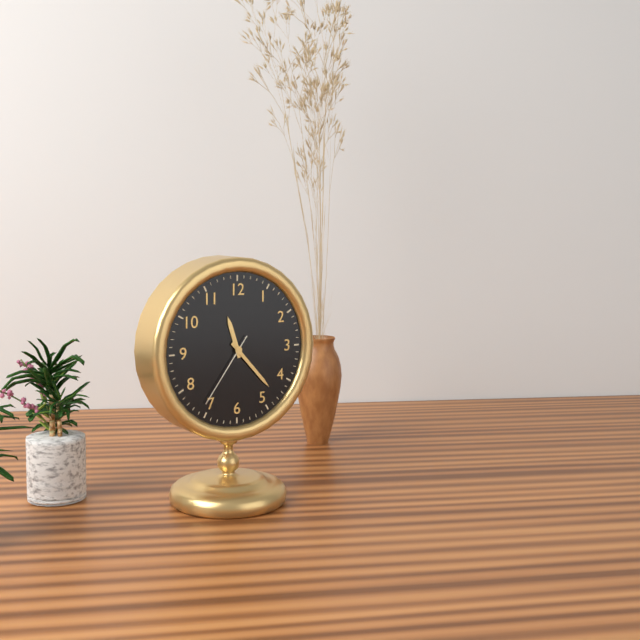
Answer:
11h23m36s
